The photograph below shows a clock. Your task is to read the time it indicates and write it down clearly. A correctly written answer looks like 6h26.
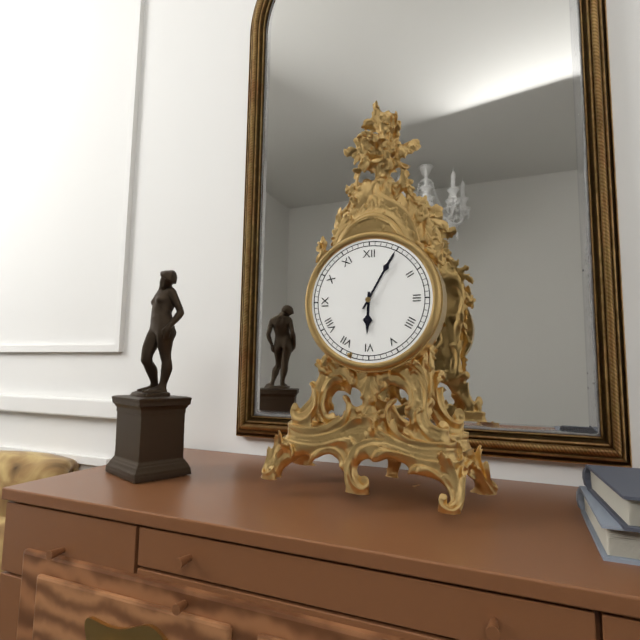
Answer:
6h05
